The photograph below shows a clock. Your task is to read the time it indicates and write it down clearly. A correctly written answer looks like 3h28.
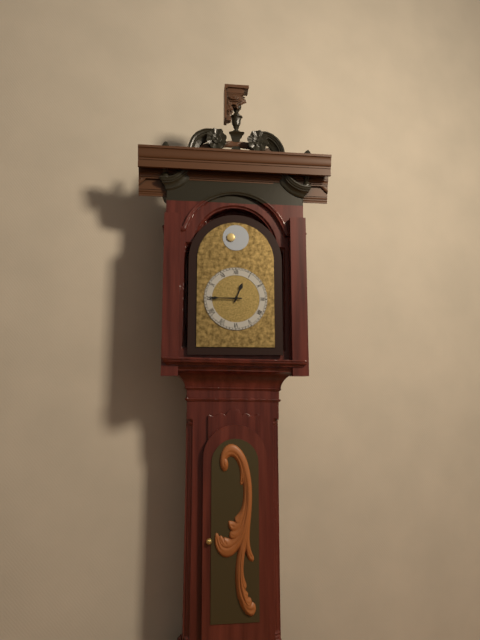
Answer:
12h45
